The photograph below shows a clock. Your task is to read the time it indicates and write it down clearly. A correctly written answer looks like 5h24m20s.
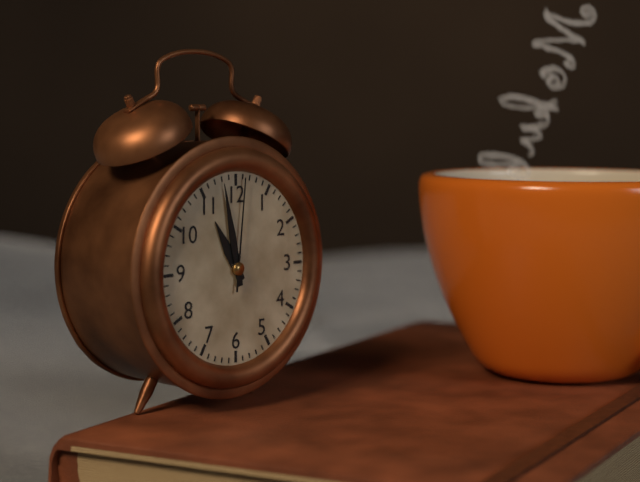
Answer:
10h58m01s
